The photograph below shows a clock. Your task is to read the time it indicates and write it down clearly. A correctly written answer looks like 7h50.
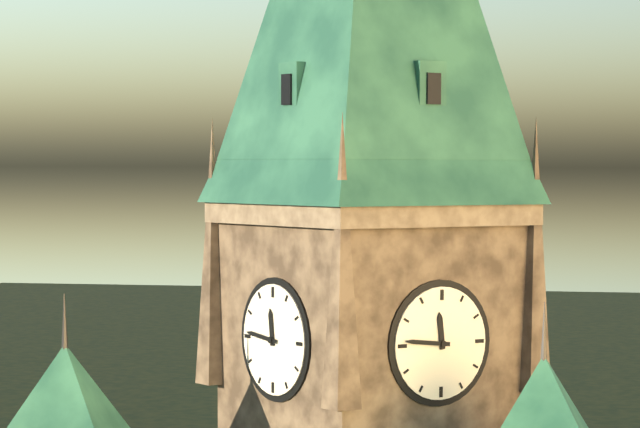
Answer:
11h46
